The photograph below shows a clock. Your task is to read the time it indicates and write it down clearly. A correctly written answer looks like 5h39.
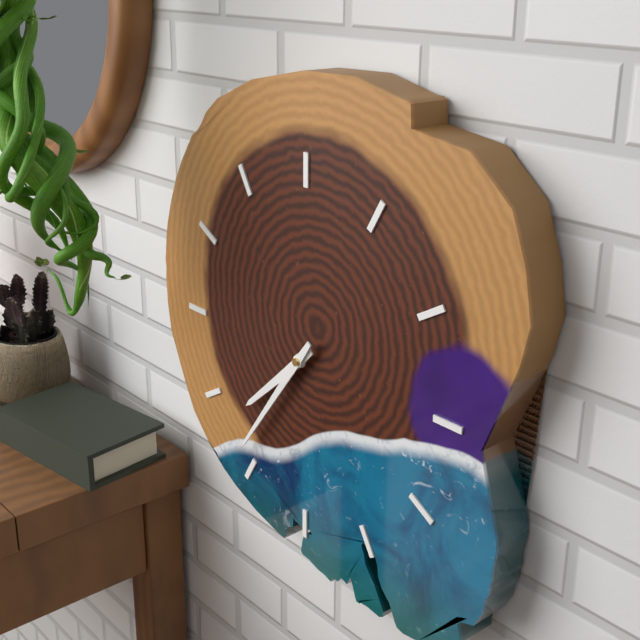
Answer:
7h36
